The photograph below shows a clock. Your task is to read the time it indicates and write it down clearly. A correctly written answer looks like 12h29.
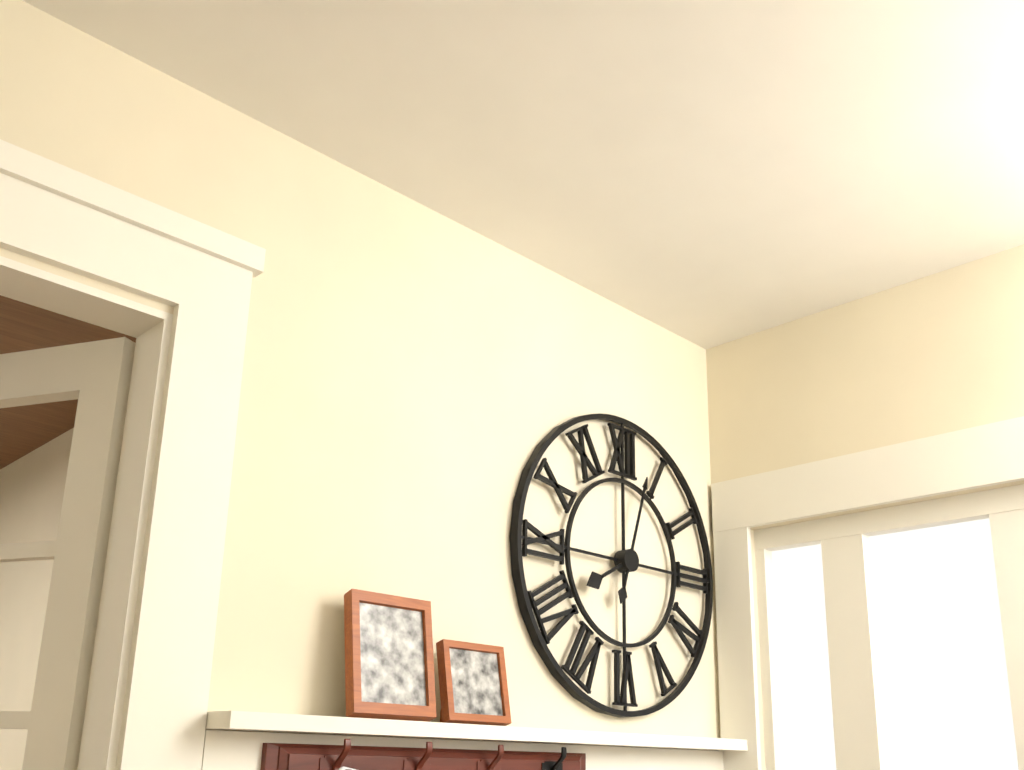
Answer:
8h03
